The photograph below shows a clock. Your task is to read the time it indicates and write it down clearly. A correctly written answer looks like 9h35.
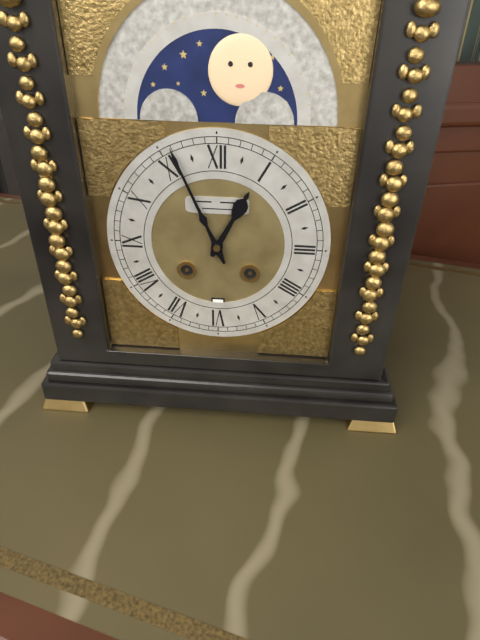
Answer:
12h56
